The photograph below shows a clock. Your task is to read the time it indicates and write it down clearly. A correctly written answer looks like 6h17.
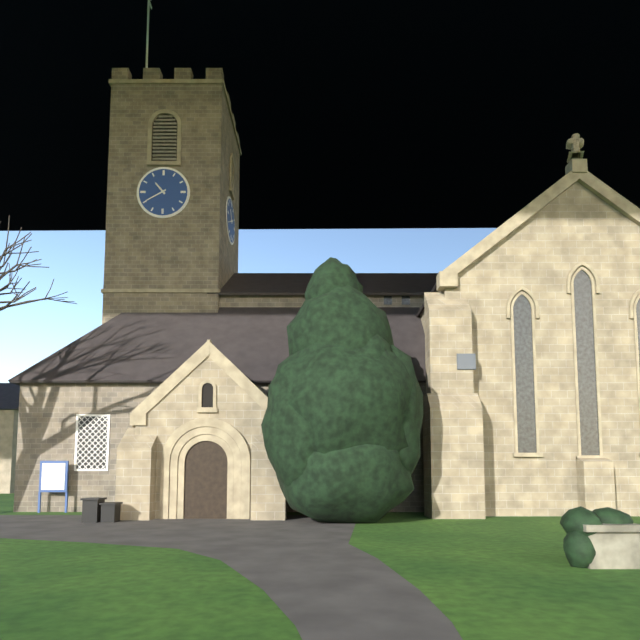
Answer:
10h40
